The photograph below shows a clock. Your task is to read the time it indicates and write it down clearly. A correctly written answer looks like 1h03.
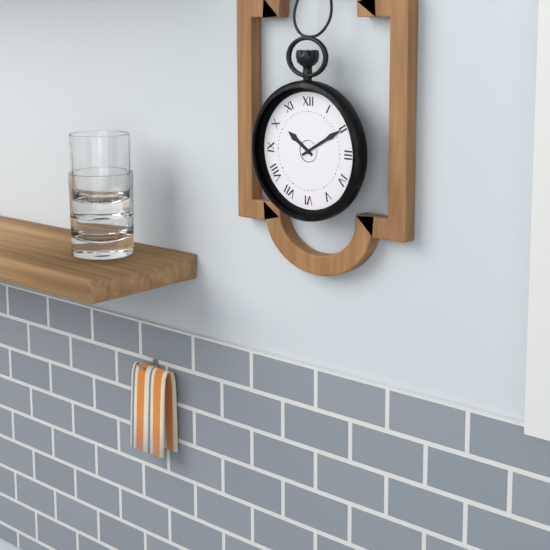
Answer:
10h10
